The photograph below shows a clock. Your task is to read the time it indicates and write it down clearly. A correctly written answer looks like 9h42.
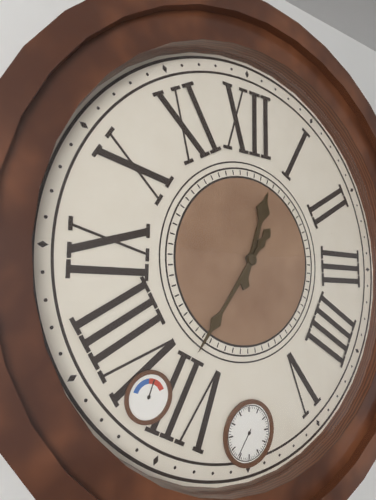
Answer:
12h36
